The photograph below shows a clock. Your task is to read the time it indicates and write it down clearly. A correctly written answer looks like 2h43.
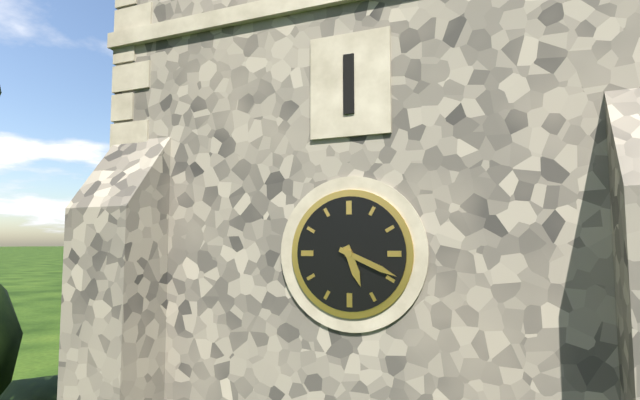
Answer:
5h19
